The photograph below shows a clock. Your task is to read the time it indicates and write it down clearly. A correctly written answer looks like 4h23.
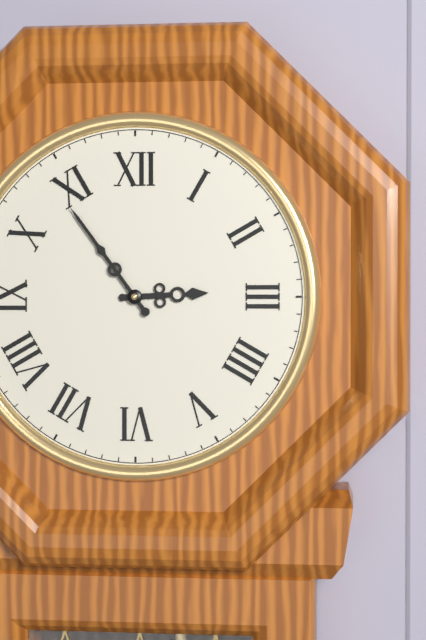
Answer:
2h54
